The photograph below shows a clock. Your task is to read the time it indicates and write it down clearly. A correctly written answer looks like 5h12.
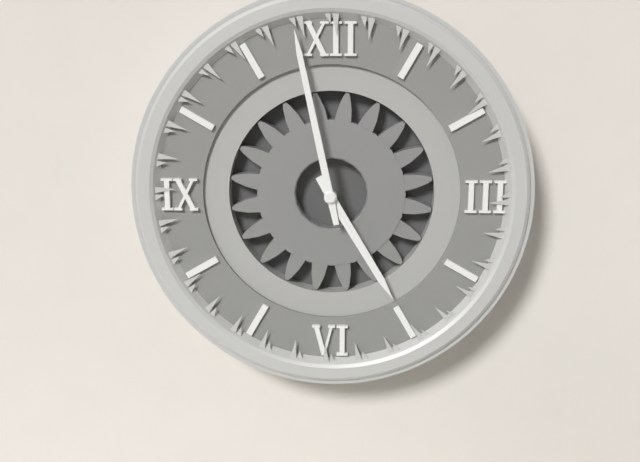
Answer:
4h58
